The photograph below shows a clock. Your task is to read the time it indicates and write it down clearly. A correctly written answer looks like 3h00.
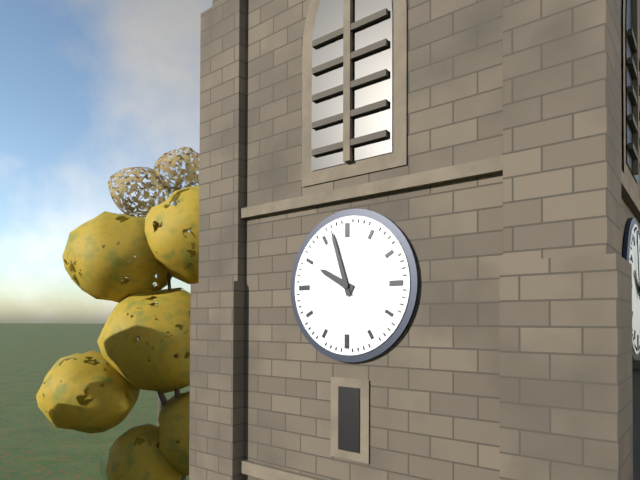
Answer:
9h57
